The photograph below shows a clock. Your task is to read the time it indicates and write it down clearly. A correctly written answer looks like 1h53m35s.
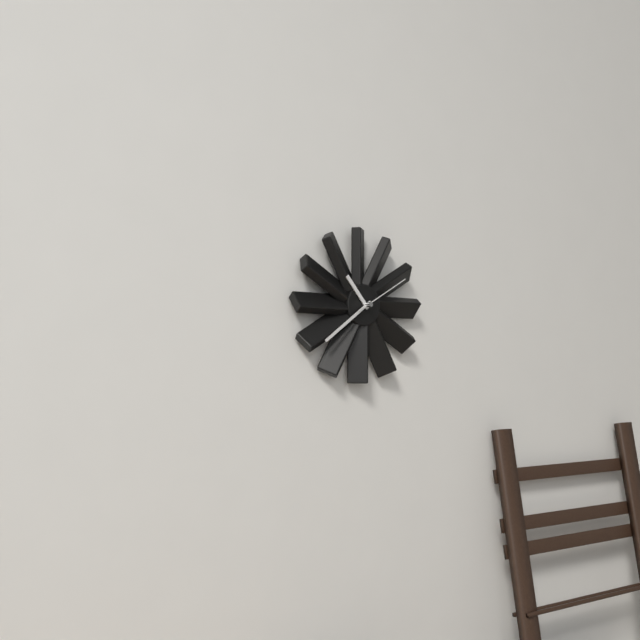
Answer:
10h39m10s
